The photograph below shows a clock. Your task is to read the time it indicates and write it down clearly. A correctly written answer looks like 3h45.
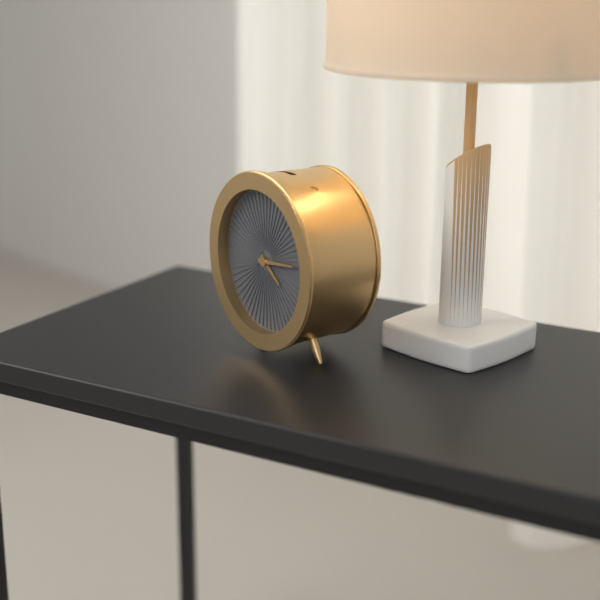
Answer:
4h14
